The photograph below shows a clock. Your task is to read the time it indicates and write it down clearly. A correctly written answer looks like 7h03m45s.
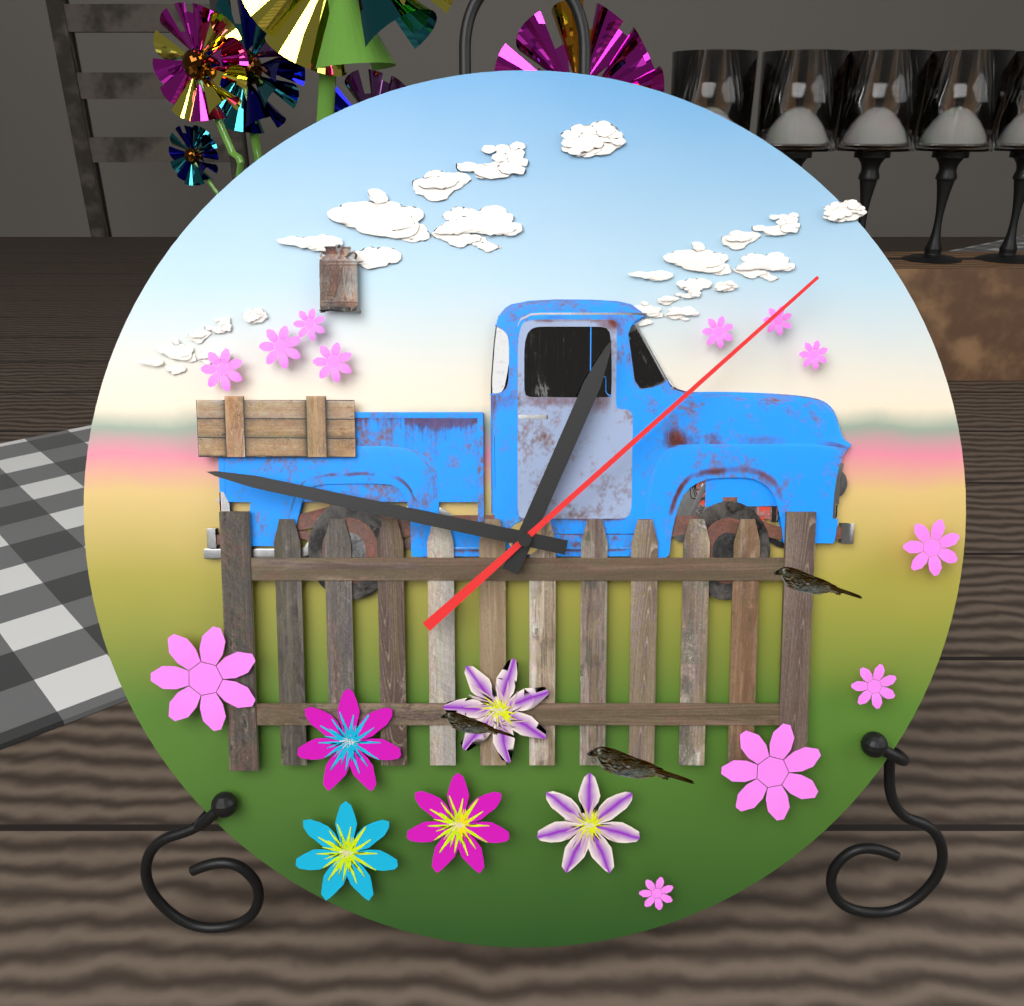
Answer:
12h47m08s
